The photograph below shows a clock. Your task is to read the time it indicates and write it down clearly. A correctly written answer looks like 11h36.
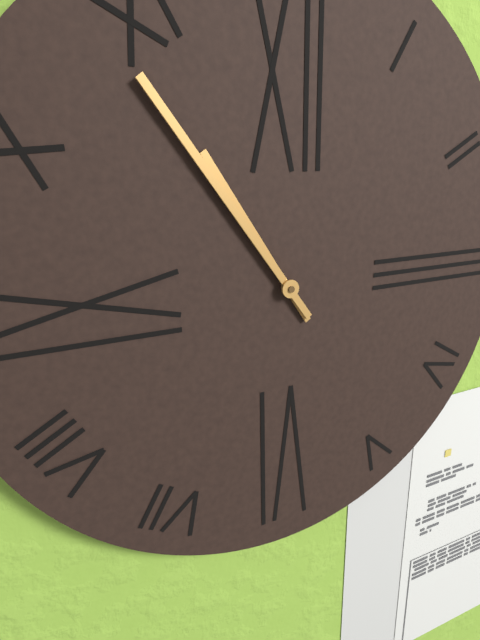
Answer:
10h54
